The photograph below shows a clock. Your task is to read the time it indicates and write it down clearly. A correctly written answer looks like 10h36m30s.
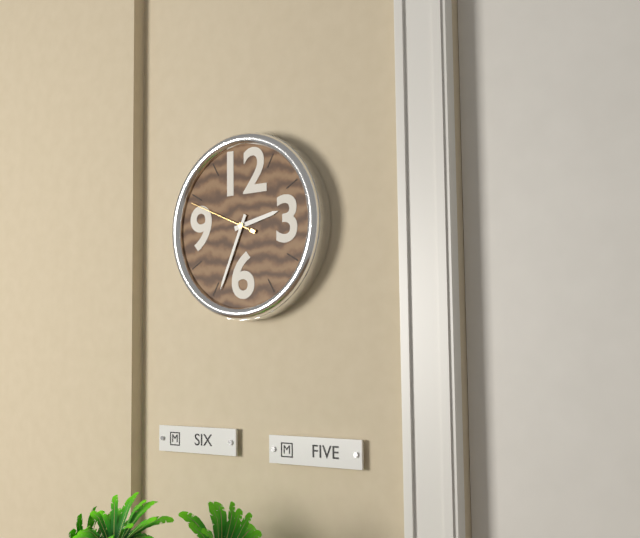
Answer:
2h34m49s
